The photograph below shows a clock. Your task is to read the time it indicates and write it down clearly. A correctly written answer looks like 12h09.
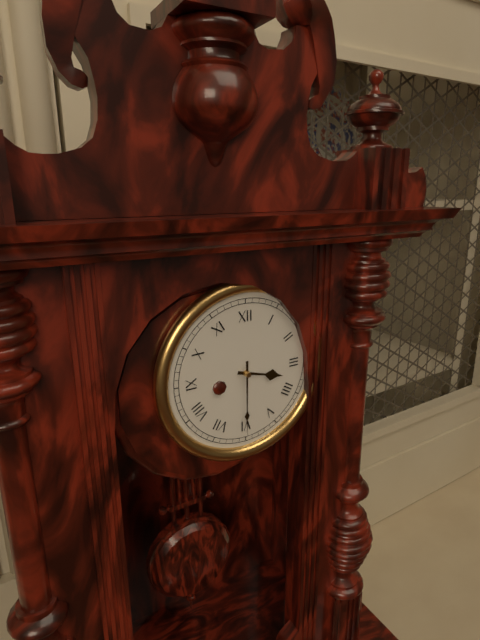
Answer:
3h30
